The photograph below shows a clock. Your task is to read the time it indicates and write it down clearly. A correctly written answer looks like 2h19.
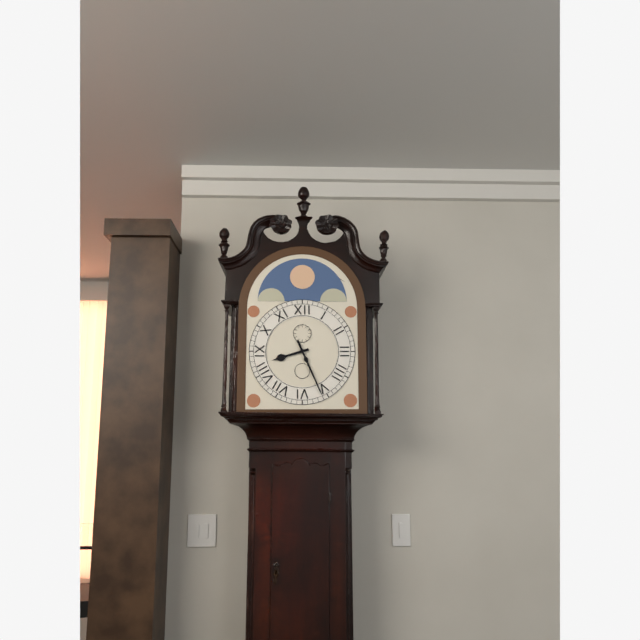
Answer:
8h26
